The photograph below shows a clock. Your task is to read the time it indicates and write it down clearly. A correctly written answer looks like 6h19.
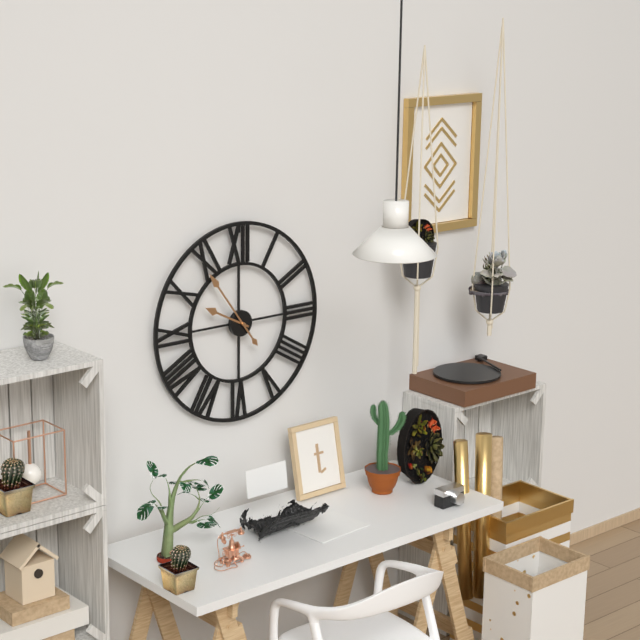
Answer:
9h54
